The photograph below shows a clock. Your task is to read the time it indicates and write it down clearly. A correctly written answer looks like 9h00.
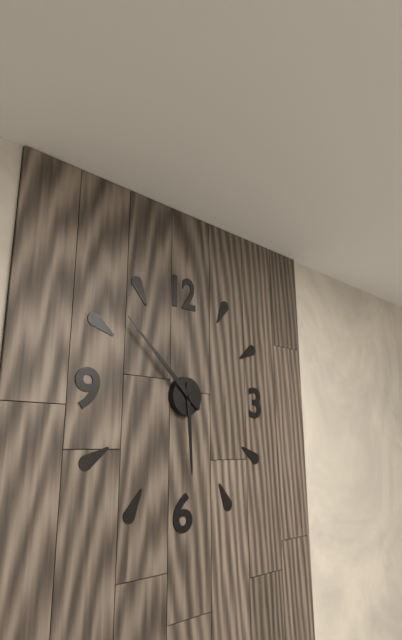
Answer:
5h52
